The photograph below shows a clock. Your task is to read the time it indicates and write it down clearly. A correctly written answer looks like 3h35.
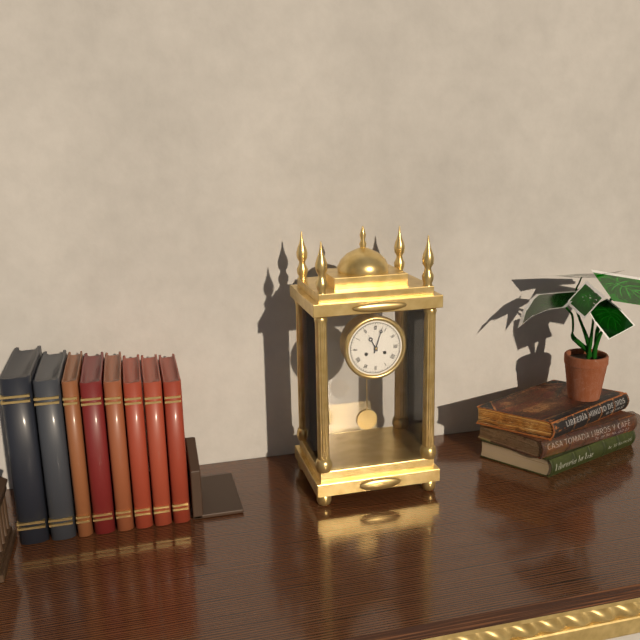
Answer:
11h03
